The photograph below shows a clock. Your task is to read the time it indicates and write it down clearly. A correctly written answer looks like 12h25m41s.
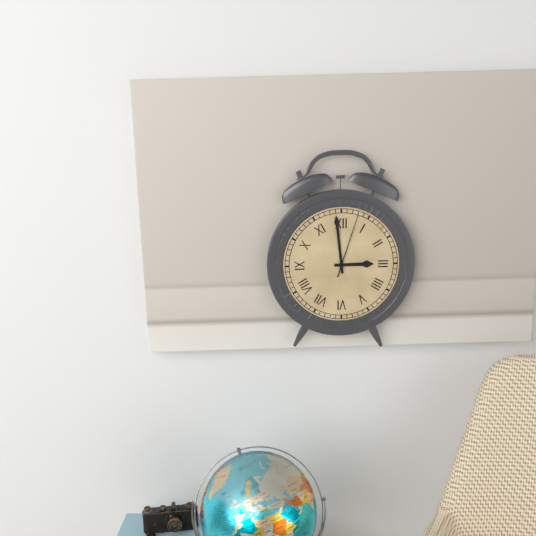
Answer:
2h59m03s
